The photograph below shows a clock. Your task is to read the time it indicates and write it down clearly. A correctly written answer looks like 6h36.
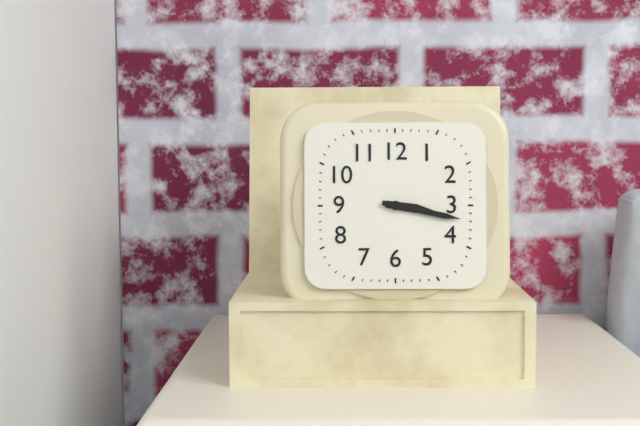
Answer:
3h17
